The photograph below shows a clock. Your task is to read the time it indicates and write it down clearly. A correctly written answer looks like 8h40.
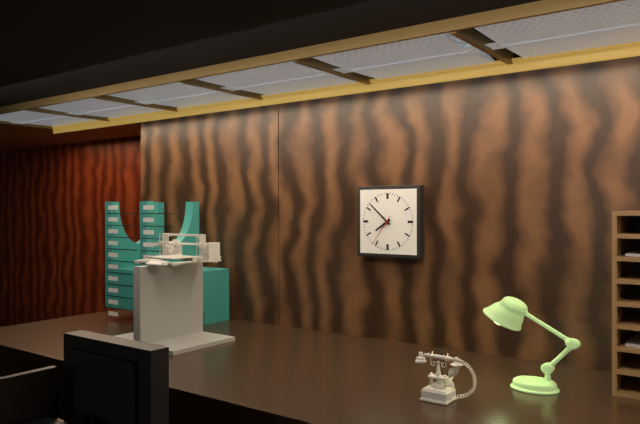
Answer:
7h52
